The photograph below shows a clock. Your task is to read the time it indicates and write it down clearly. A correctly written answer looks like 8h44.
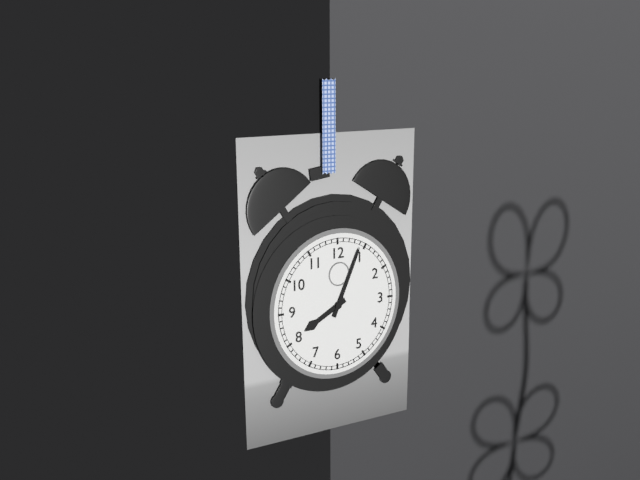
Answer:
8h04
